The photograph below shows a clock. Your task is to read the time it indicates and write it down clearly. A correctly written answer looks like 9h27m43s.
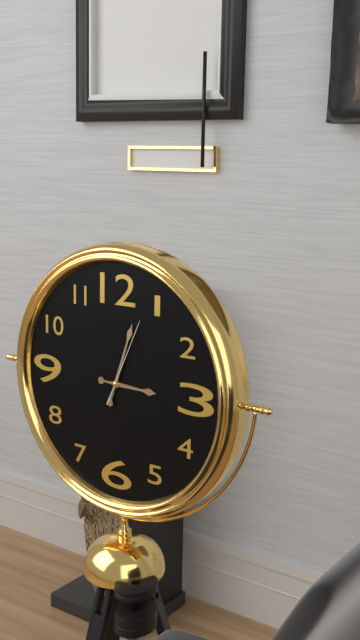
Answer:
3h03m04s
